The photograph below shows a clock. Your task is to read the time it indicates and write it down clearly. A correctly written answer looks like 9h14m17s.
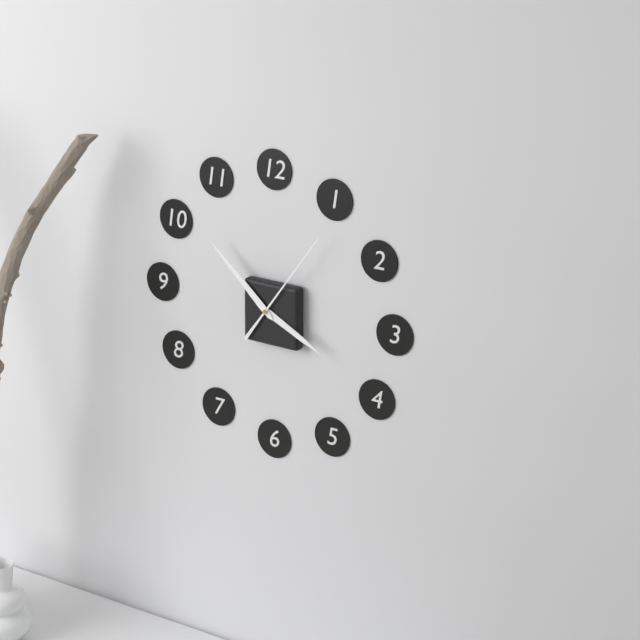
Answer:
3h52m06s
